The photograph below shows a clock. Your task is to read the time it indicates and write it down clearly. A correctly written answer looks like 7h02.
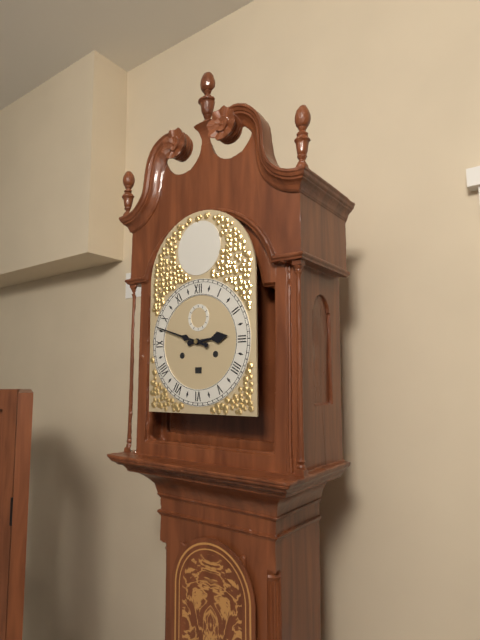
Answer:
2h48
